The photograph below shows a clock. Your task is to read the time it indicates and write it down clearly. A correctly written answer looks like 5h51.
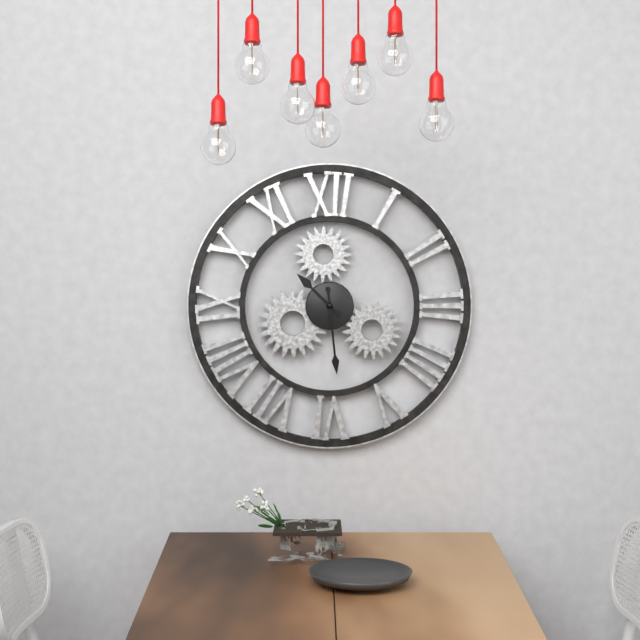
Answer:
10h29
